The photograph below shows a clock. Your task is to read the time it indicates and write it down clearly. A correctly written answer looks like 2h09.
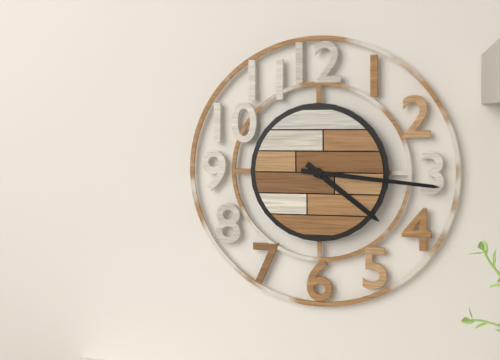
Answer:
4h16
